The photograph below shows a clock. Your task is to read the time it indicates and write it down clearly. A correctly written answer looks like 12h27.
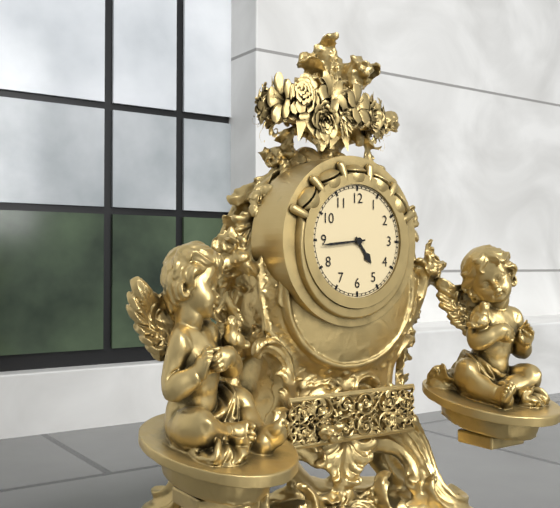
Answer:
4h44
